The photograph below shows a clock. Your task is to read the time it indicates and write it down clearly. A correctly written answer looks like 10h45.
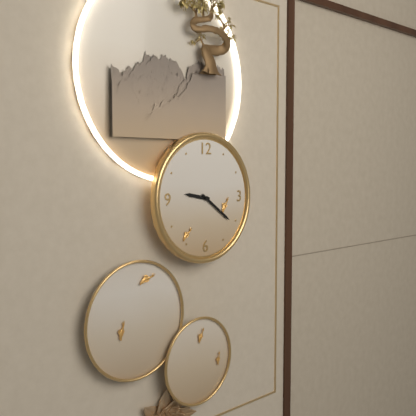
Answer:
9h21
